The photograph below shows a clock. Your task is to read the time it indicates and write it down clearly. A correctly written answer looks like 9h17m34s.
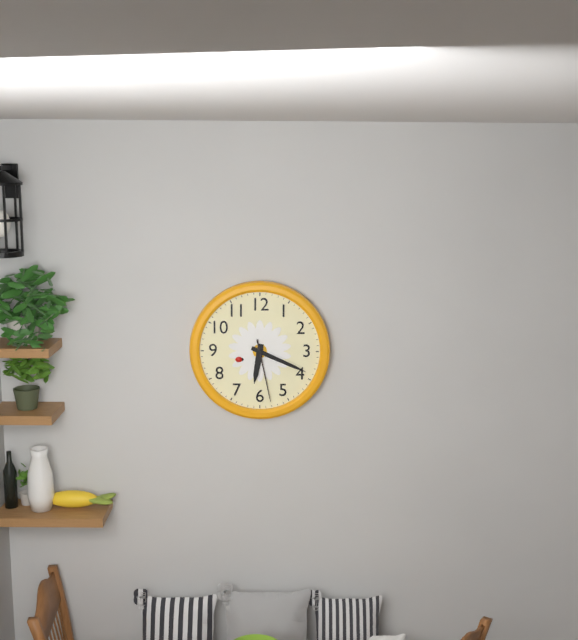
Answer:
6h19m28s
